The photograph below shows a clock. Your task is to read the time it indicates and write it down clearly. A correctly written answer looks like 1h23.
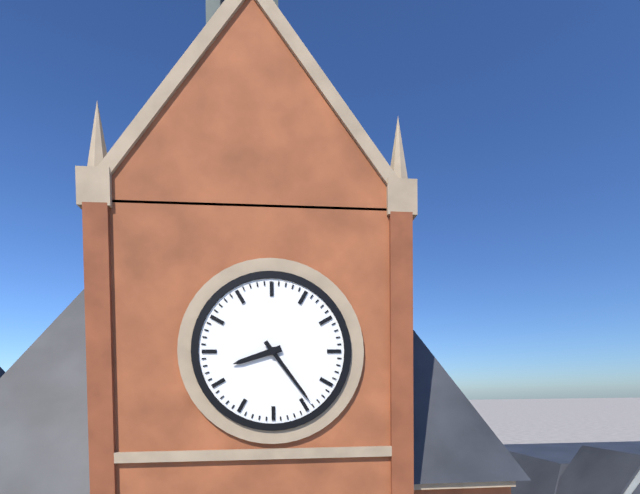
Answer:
8h24
